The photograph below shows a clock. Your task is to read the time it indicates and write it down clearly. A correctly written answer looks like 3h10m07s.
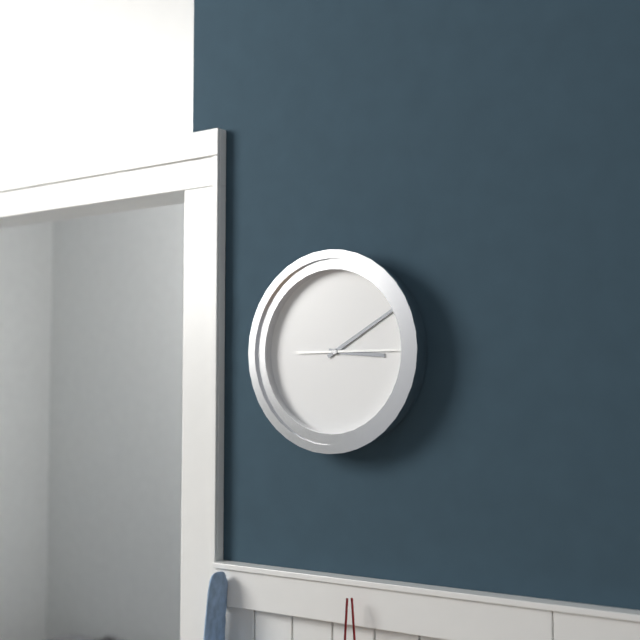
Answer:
3h10m15s
